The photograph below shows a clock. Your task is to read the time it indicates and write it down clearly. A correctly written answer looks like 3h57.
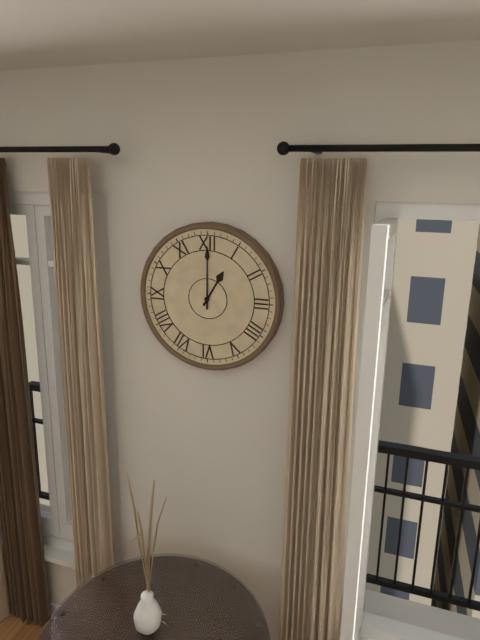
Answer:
1h00
